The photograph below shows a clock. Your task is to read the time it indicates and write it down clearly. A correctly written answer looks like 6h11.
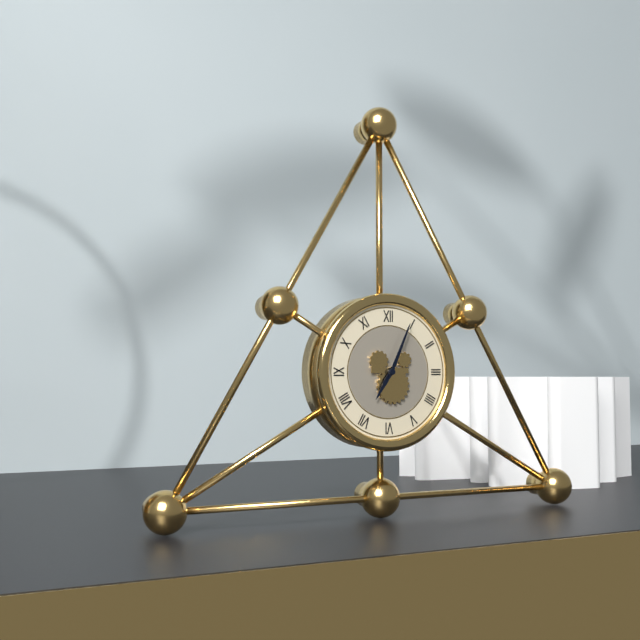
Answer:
7h04
